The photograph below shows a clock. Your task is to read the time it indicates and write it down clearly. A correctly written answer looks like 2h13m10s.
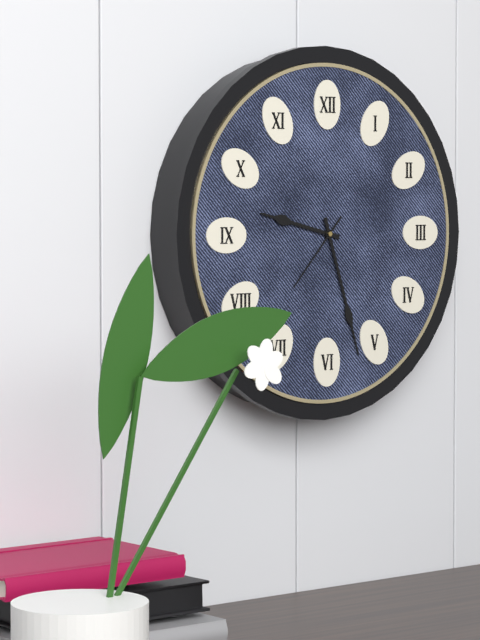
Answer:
9h27m37s
